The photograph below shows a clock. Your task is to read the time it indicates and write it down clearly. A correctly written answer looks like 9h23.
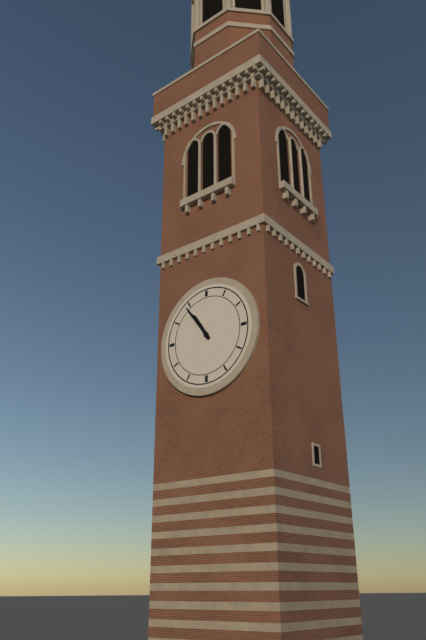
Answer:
10h54
